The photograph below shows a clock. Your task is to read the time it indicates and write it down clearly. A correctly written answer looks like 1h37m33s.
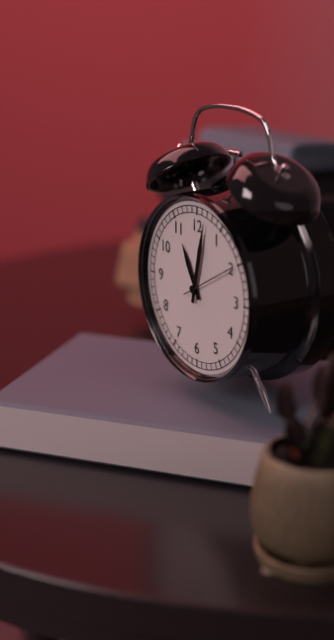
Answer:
11h02m10s
